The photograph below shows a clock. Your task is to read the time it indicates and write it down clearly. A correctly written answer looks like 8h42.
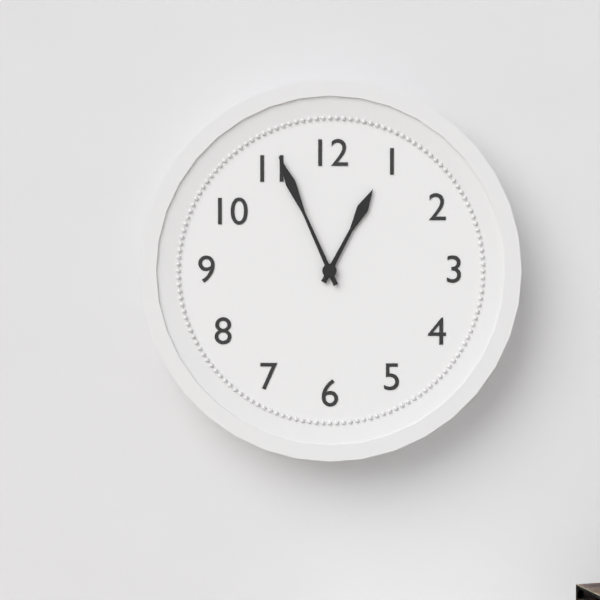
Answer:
12h56
